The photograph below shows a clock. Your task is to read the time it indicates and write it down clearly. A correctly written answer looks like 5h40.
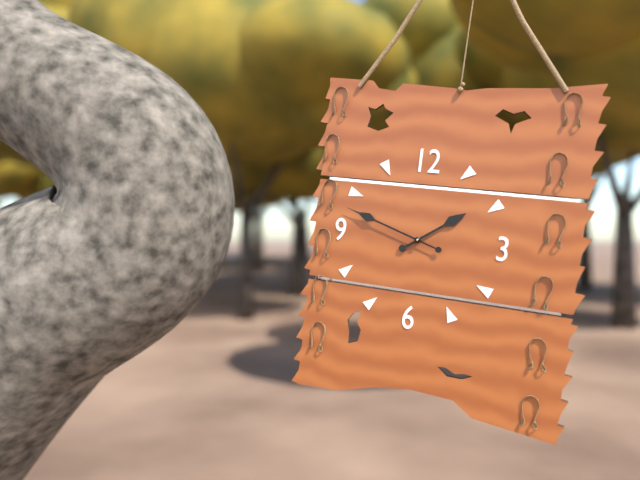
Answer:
1h48
